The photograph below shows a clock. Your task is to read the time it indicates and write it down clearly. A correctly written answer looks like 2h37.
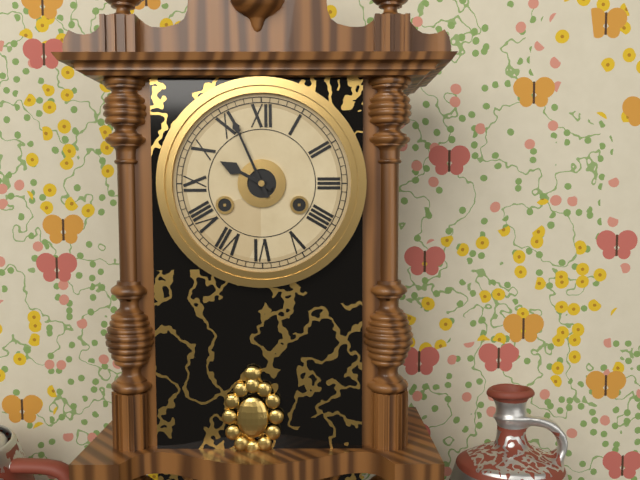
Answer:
9h56
